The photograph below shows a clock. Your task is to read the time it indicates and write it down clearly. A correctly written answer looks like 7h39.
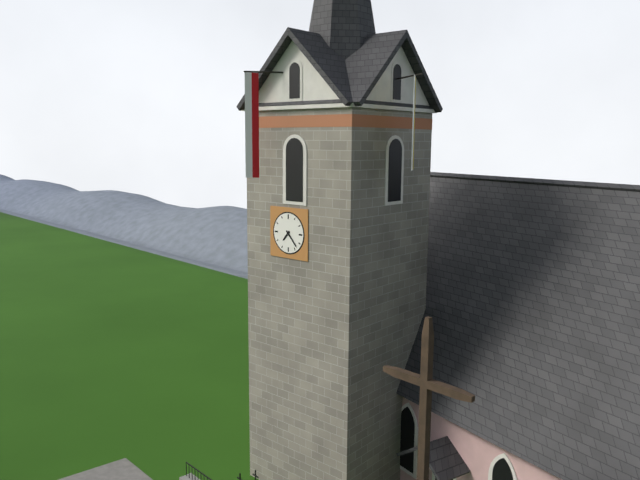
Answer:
7h23
